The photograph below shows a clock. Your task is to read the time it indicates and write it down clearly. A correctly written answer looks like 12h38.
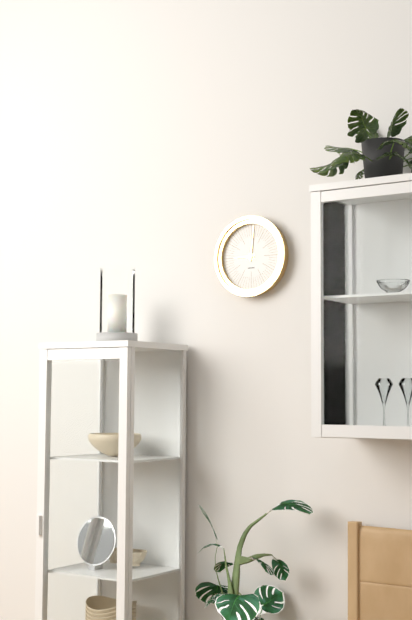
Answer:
9h01
